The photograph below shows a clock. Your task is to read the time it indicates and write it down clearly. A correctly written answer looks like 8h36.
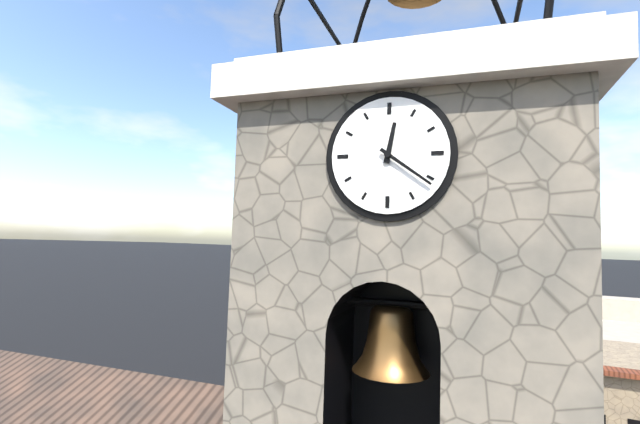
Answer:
12h21
